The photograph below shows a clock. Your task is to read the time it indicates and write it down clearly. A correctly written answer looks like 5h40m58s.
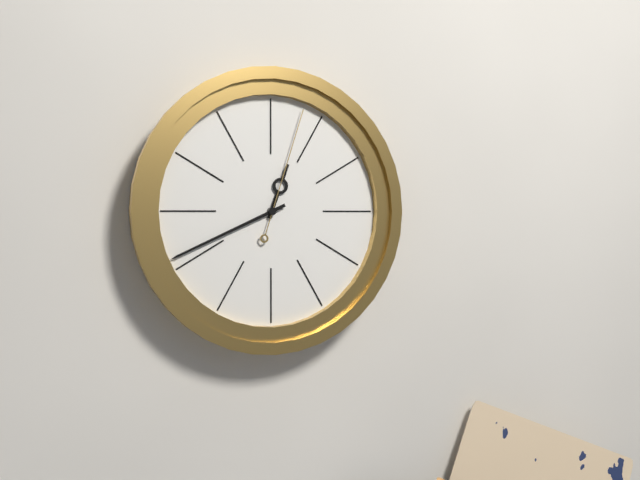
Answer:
12h41m03s
